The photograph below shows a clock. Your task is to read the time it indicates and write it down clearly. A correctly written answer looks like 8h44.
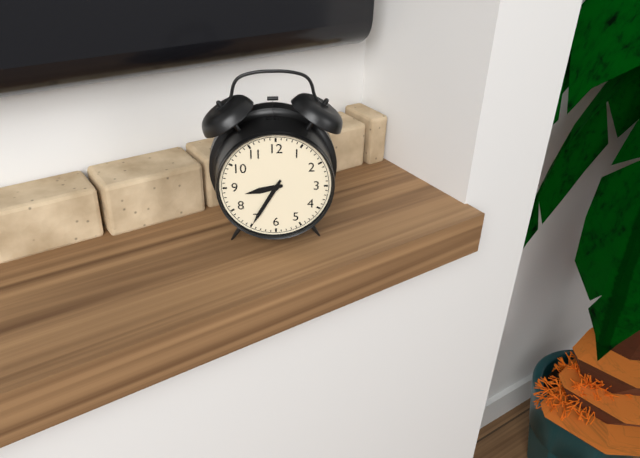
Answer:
8h35
